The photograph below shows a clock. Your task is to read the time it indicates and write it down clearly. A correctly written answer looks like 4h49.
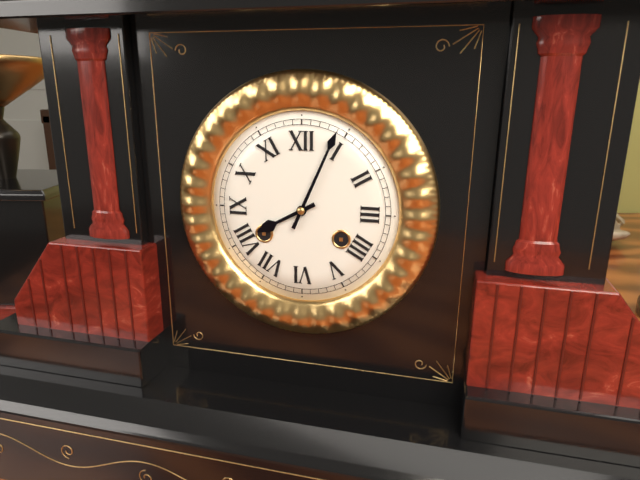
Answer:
8h04
